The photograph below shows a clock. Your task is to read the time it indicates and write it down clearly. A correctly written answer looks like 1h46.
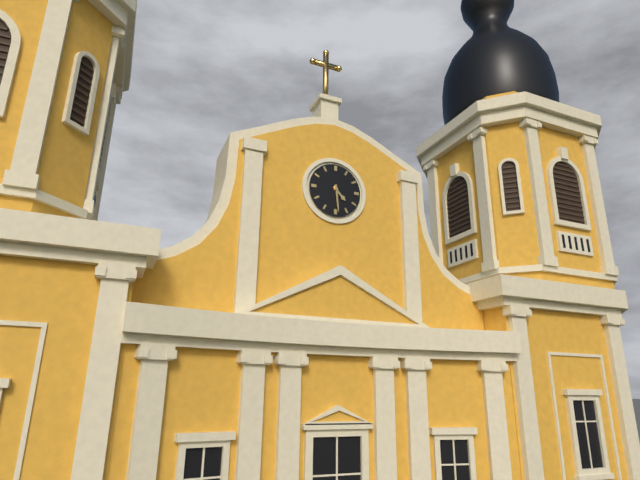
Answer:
4h29
